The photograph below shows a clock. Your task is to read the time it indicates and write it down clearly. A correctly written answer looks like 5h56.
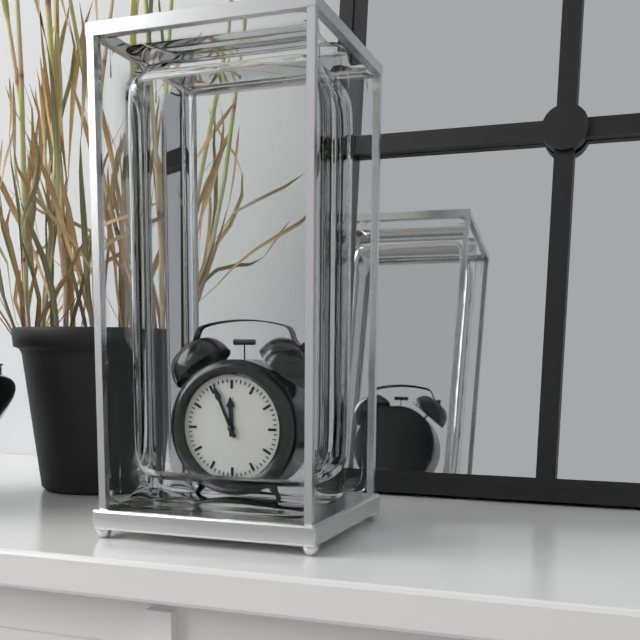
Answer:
11h56
